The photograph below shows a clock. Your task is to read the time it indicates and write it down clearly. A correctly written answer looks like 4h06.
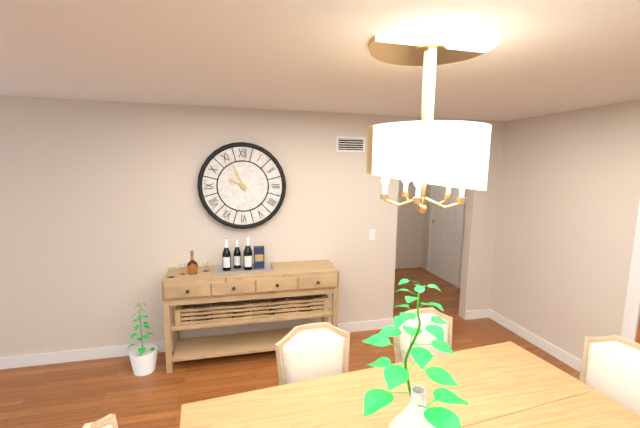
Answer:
9h56
